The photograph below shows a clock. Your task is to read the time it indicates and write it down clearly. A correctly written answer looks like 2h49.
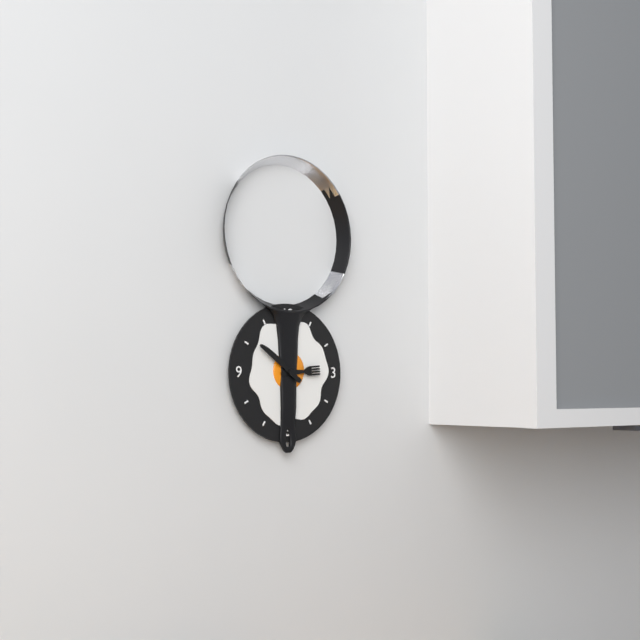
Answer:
2h51
